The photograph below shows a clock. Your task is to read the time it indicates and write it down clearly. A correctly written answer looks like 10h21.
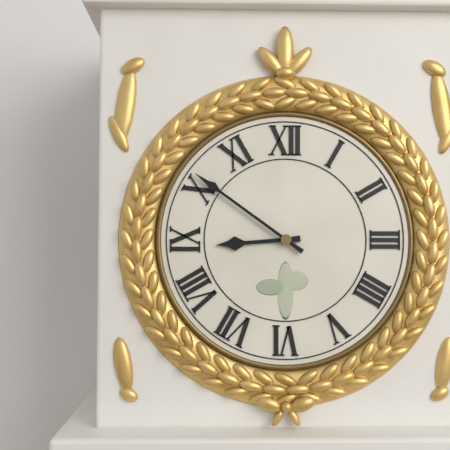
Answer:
8h51
